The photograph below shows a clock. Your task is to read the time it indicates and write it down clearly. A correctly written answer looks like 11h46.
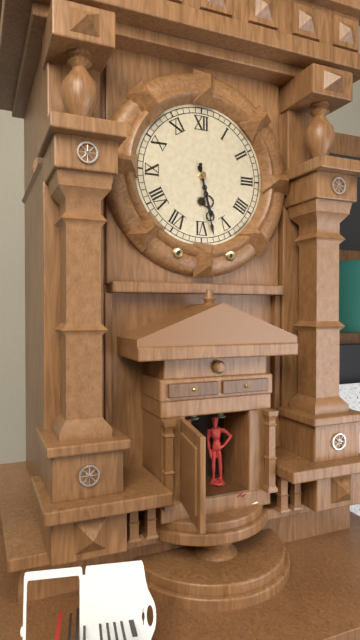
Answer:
5h28
